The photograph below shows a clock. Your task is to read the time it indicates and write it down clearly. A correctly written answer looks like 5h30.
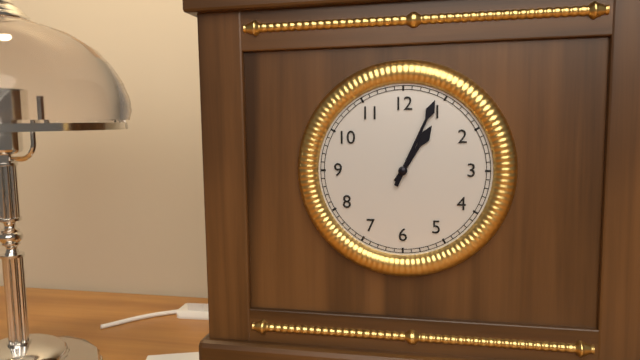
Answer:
1h04
